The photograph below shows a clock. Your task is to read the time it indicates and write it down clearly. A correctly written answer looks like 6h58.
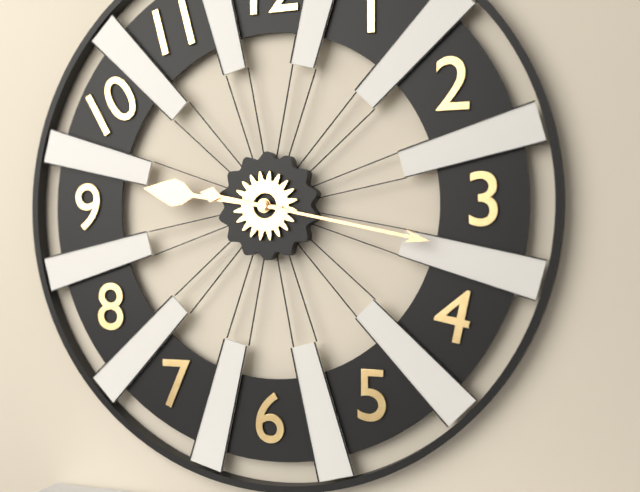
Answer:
9h17
